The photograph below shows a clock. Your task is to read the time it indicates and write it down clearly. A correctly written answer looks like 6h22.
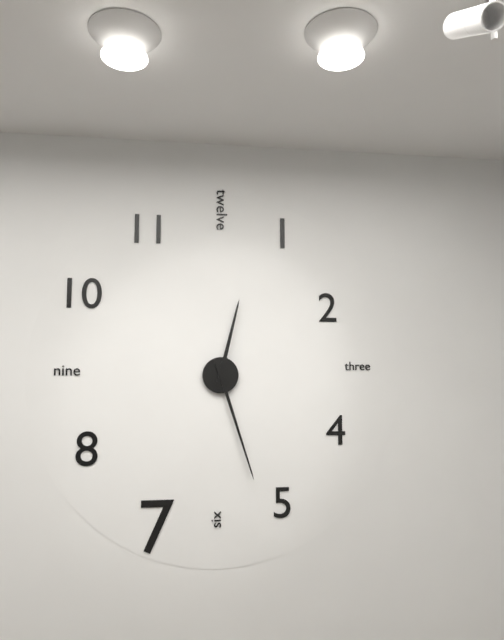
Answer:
12h27
